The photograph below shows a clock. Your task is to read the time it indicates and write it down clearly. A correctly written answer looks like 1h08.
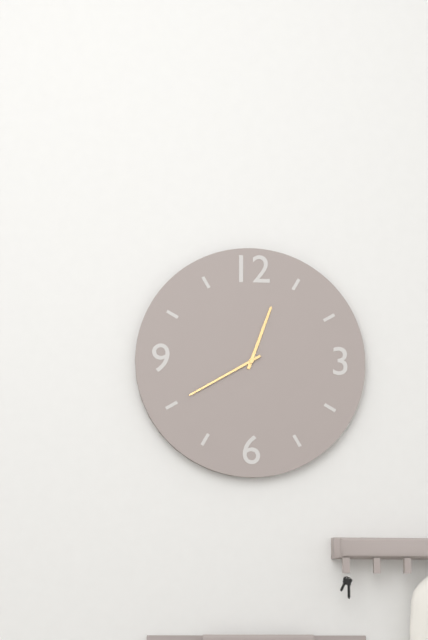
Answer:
12h40
